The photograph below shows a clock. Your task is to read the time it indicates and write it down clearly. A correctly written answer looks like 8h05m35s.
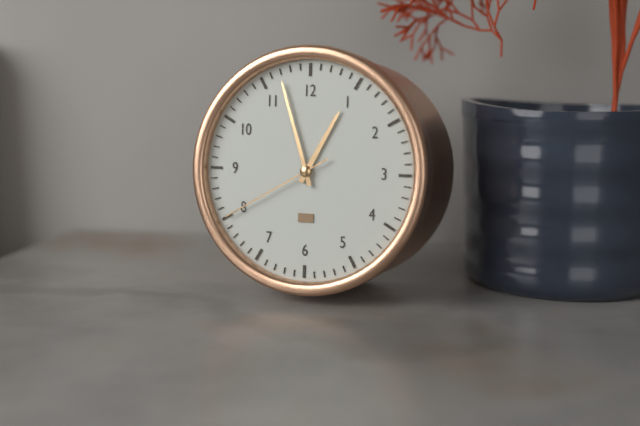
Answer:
12h57m40s
